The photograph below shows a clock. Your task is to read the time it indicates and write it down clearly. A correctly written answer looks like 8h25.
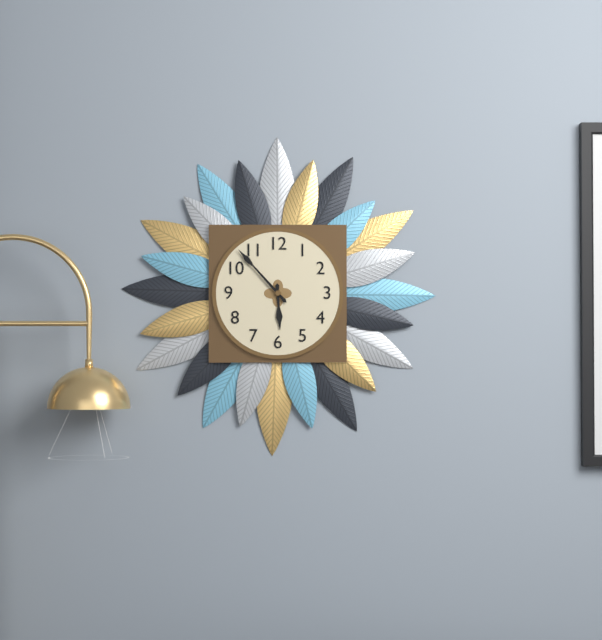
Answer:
5h53
